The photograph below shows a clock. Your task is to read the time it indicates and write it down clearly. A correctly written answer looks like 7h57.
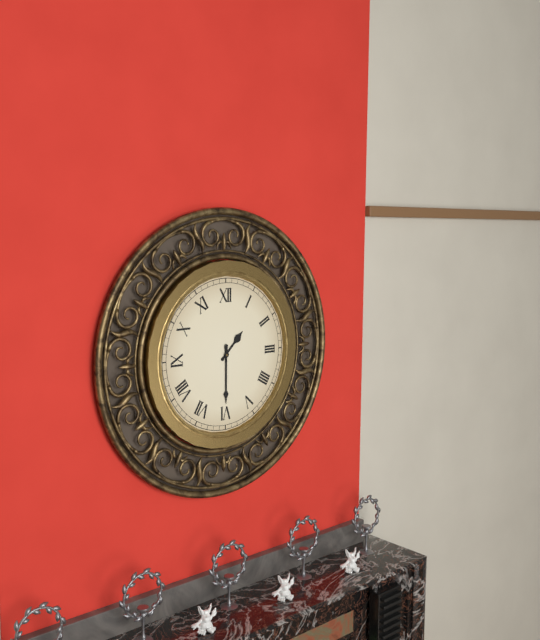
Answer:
1h30
